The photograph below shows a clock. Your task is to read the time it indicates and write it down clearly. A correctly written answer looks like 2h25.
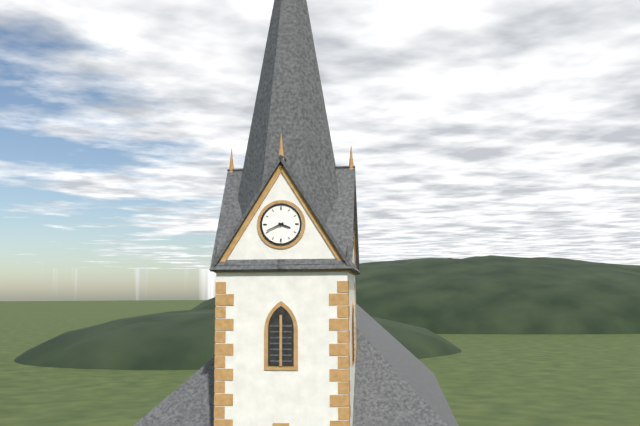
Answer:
3h41
